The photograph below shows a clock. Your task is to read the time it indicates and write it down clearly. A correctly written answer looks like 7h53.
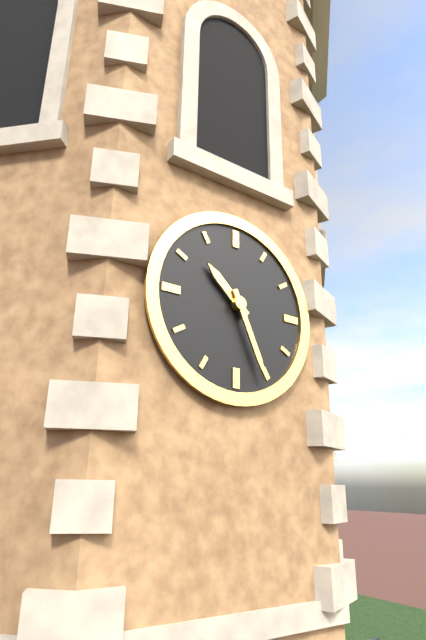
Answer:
10h26
